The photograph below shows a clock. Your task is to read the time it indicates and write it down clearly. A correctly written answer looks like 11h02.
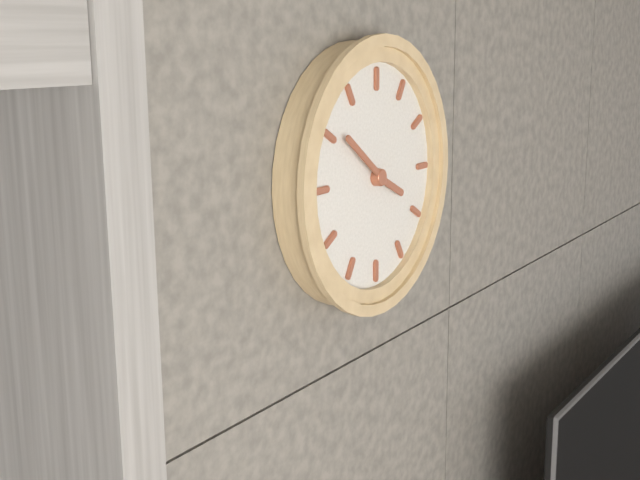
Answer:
3h51
